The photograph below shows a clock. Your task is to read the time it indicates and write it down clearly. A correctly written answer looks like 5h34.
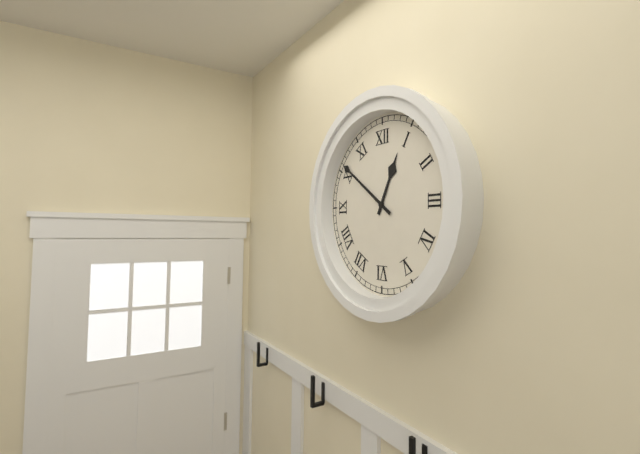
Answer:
12h51
